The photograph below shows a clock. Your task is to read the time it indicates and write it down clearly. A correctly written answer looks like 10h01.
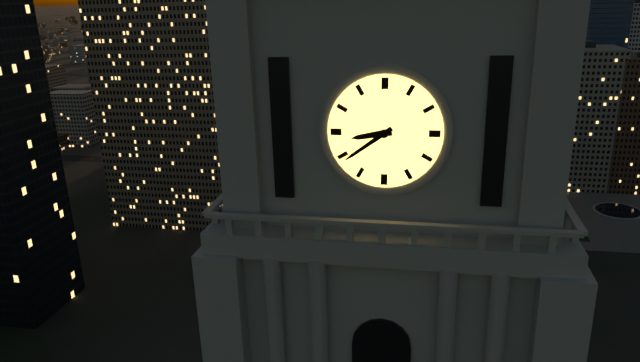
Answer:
8h39
